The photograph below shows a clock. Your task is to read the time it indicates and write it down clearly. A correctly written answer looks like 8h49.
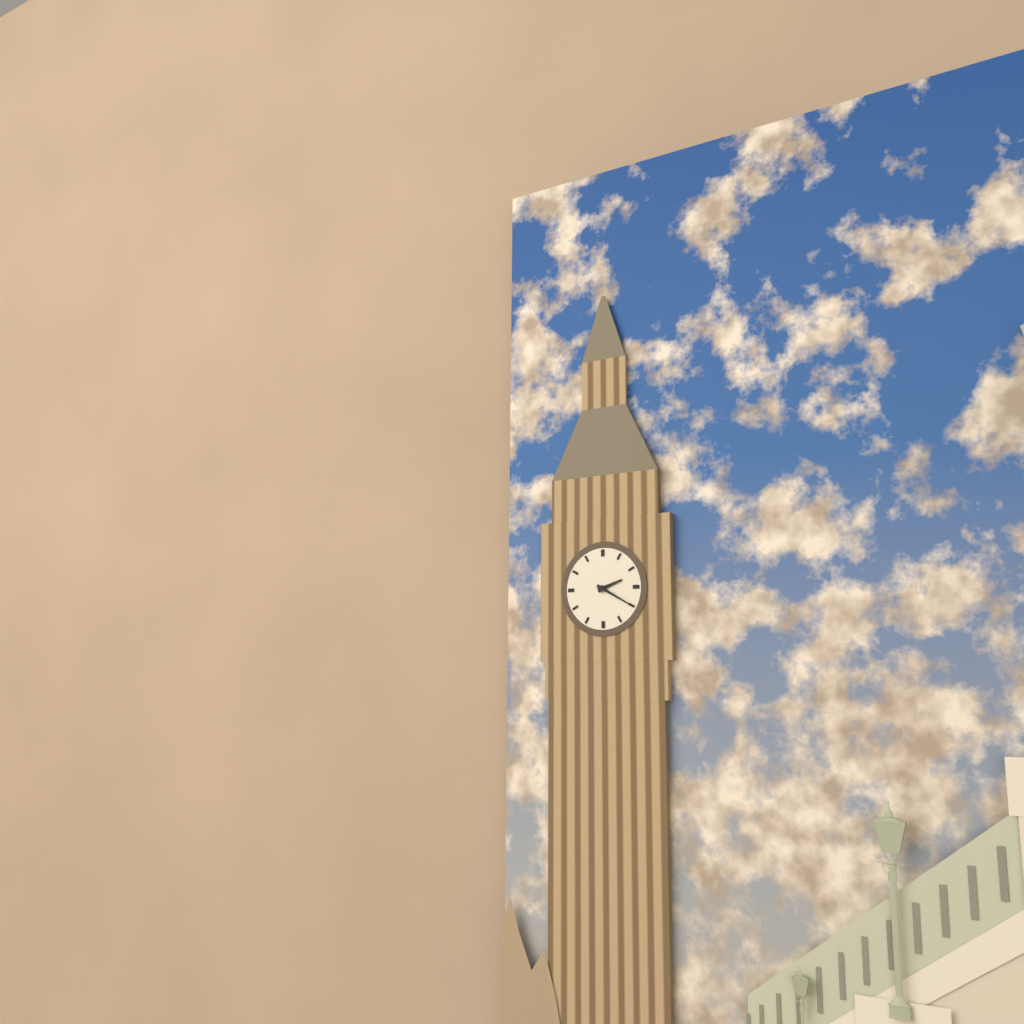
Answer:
2h20
